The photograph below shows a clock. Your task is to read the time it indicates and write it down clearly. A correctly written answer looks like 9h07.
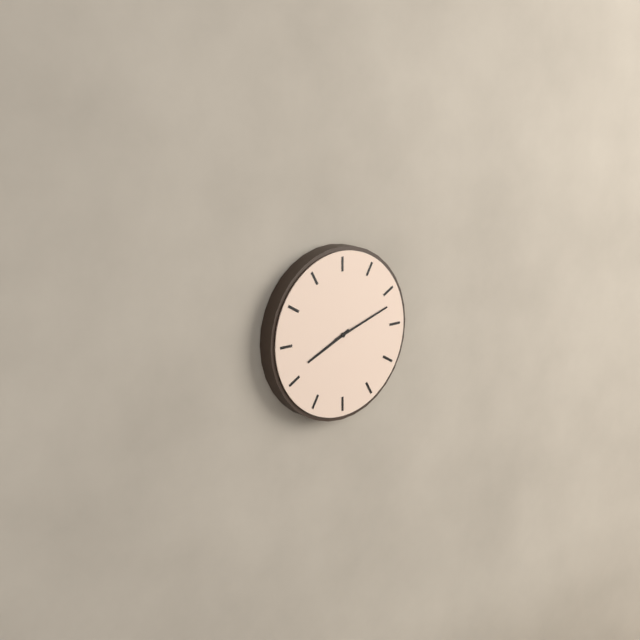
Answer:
8h12
